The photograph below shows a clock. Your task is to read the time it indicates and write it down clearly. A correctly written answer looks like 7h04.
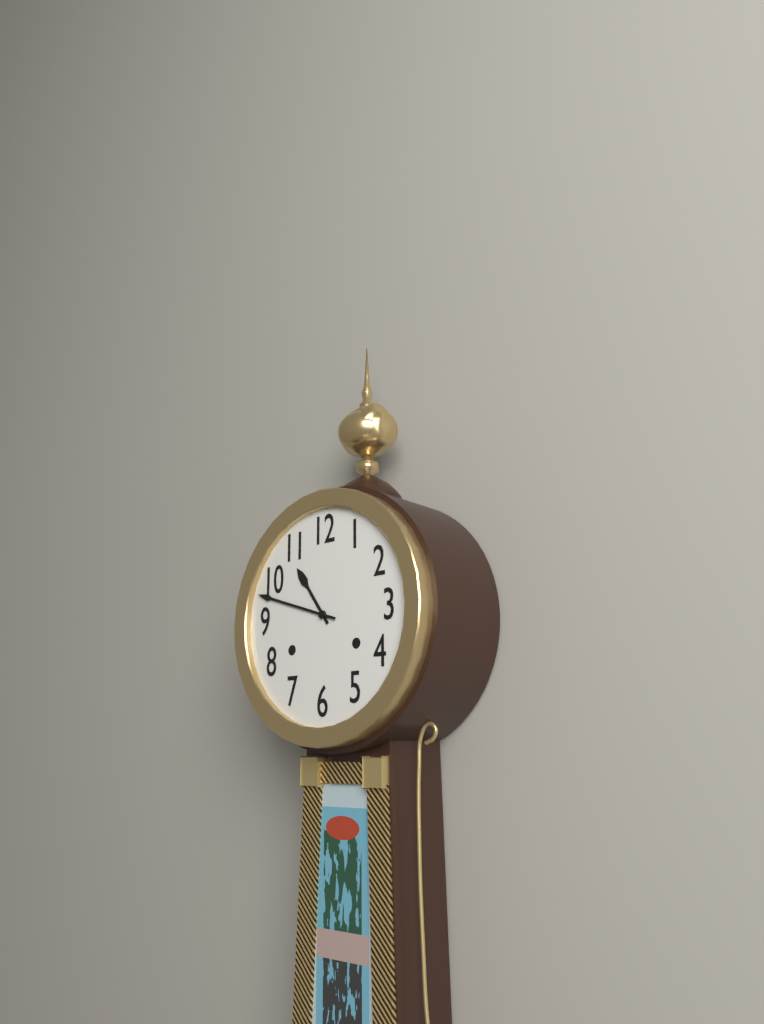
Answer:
10h48
